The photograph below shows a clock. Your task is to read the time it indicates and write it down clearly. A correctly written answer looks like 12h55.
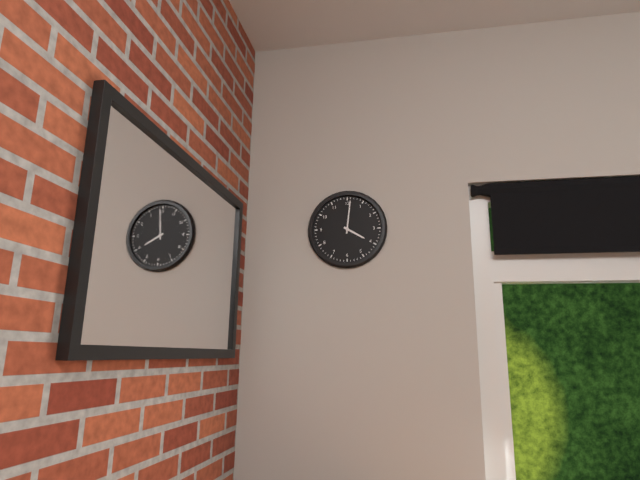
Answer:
4h01
